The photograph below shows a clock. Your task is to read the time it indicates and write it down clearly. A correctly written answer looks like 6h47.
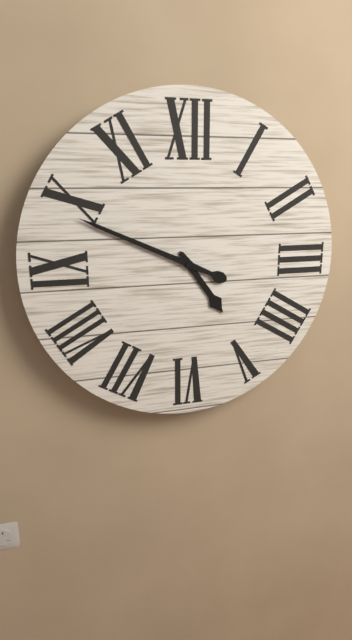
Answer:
4h49
